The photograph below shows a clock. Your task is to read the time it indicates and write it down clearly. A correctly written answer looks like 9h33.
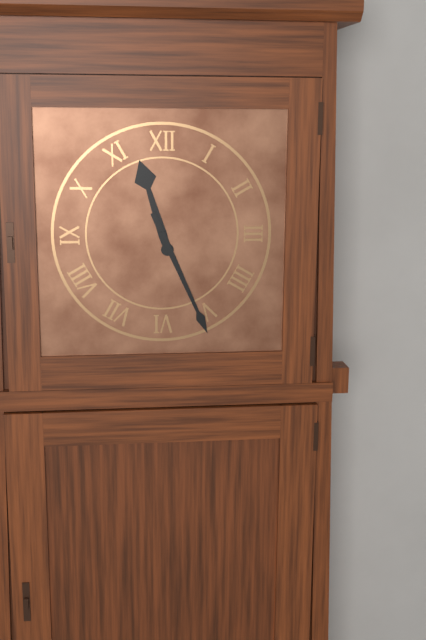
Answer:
11h26
